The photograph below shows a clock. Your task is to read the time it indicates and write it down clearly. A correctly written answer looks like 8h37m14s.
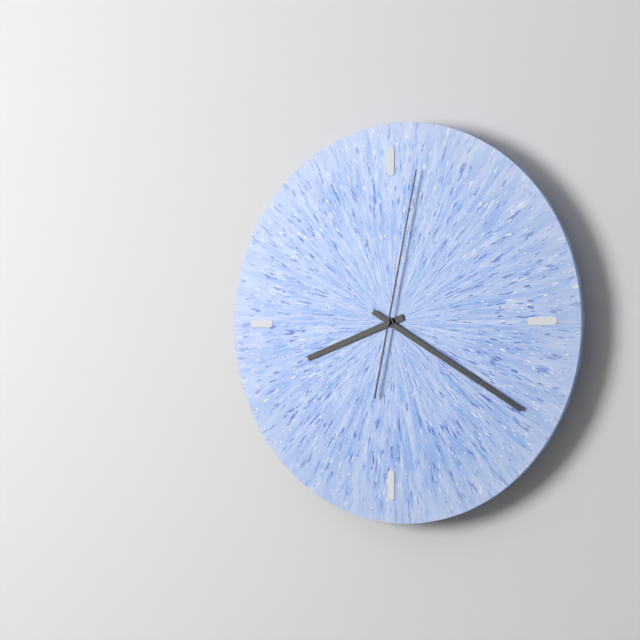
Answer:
8h20m02s
